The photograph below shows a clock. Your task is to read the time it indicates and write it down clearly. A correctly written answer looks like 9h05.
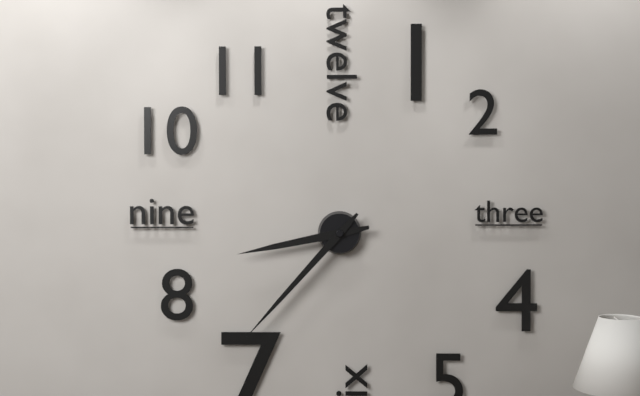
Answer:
8h37
